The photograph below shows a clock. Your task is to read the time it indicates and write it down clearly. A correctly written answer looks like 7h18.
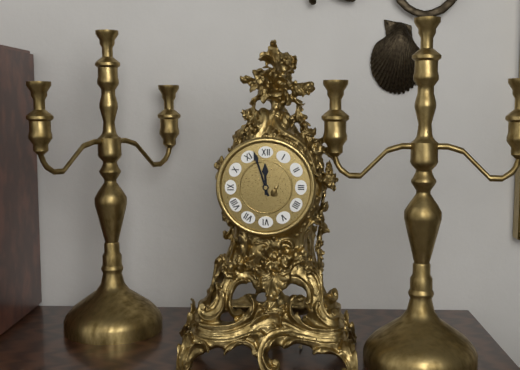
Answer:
11h57
